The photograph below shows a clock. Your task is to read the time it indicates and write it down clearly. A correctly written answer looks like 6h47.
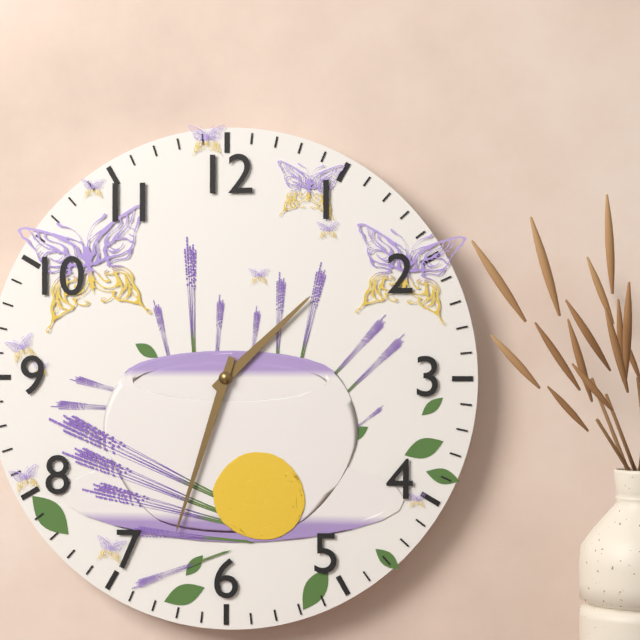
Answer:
1h33
